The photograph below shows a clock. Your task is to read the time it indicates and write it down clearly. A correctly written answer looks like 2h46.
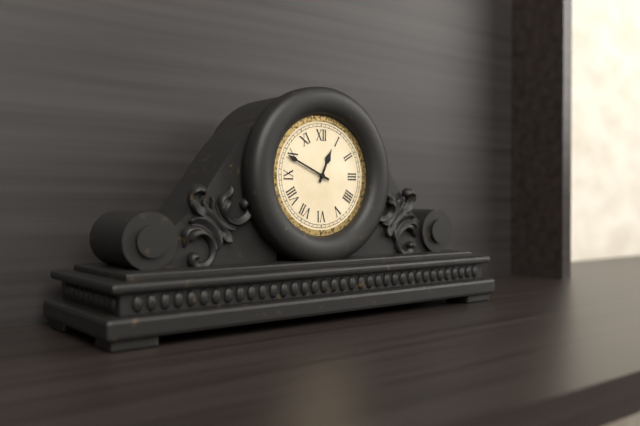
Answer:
12h49
